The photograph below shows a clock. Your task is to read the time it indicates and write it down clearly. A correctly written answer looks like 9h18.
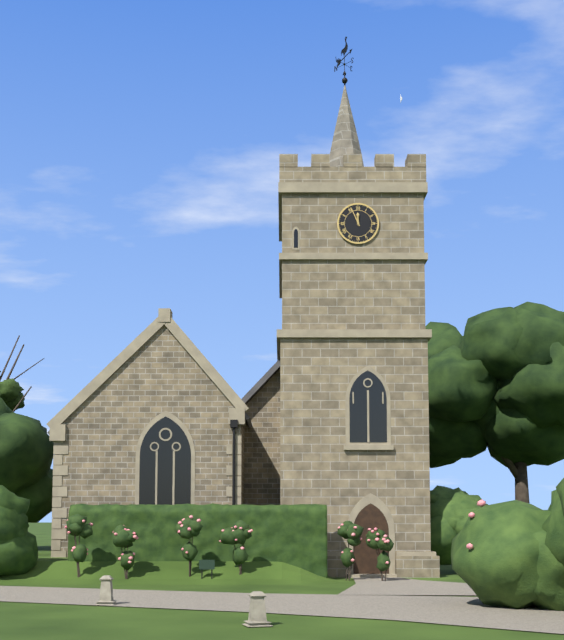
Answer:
11h56
